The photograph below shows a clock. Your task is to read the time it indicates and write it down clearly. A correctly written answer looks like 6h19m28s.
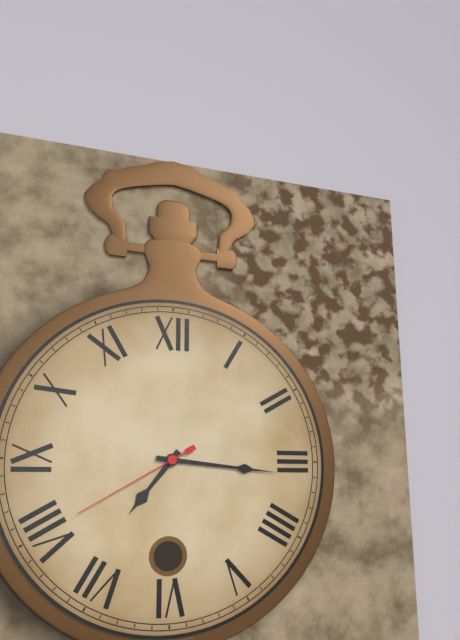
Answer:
7h16m40s
